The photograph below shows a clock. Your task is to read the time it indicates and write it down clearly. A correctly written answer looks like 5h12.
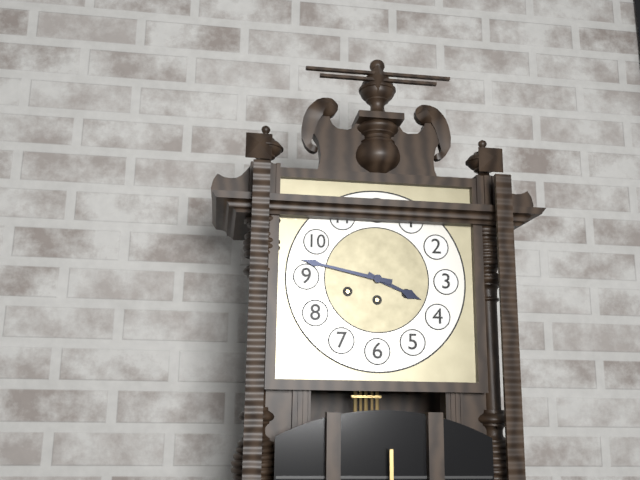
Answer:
3h47
